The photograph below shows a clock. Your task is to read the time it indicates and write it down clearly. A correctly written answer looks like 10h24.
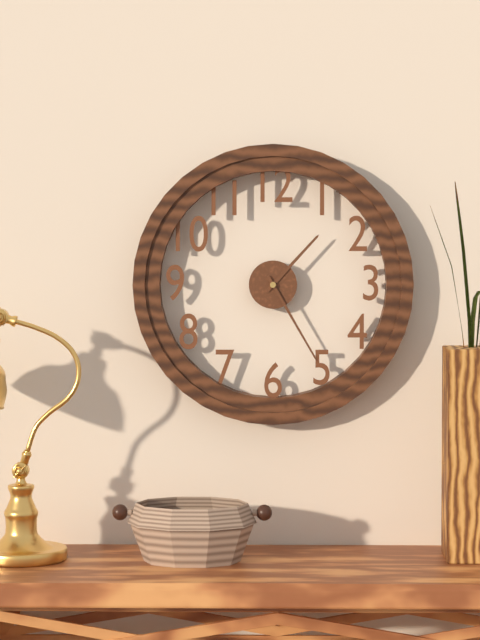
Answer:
1h25
